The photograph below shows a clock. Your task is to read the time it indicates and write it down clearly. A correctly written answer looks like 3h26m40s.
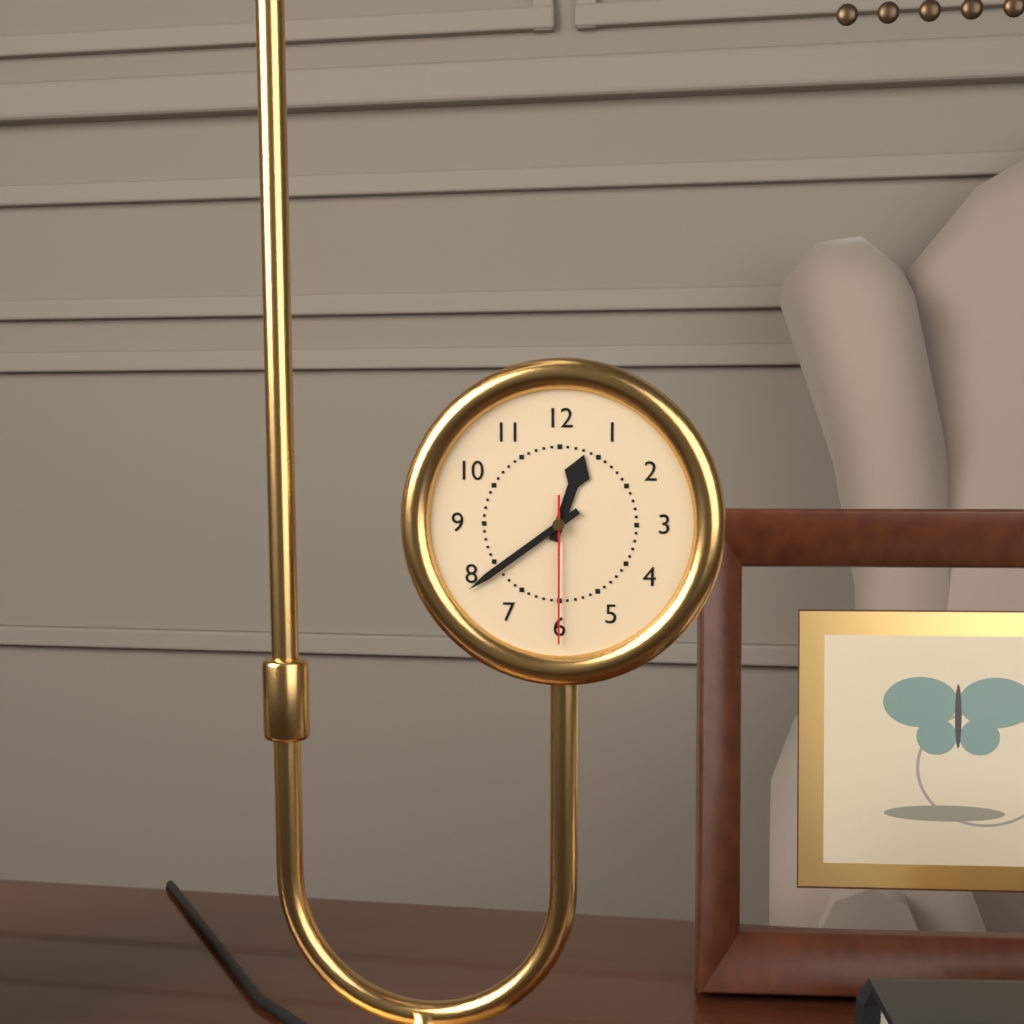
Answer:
12h39m30s
